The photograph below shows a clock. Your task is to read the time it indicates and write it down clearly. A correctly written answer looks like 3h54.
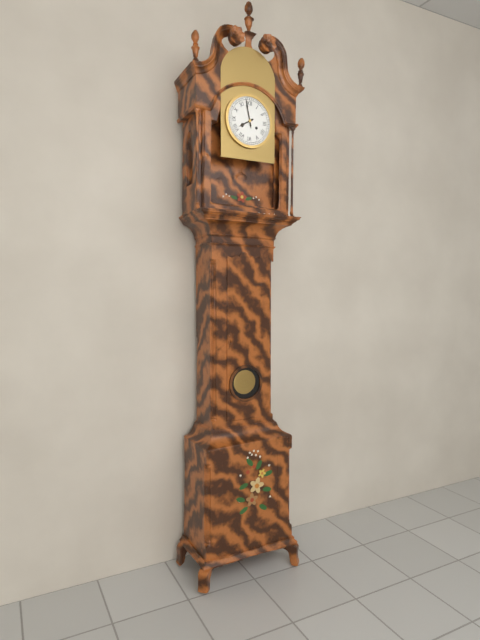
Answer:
7h58
